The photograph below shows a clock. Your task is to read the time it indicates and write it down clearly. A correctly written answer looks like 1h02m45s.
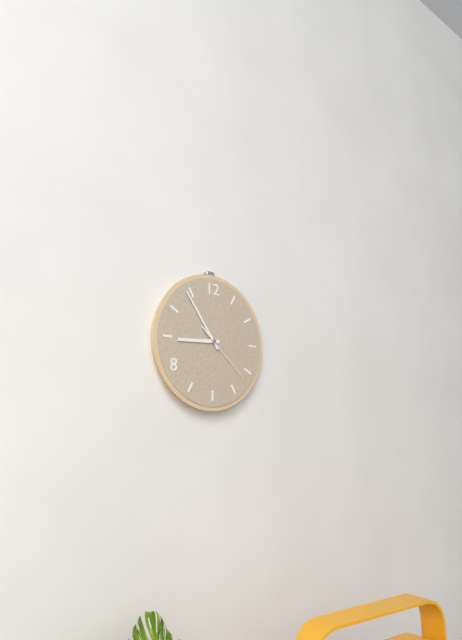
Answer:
8h54m22s
